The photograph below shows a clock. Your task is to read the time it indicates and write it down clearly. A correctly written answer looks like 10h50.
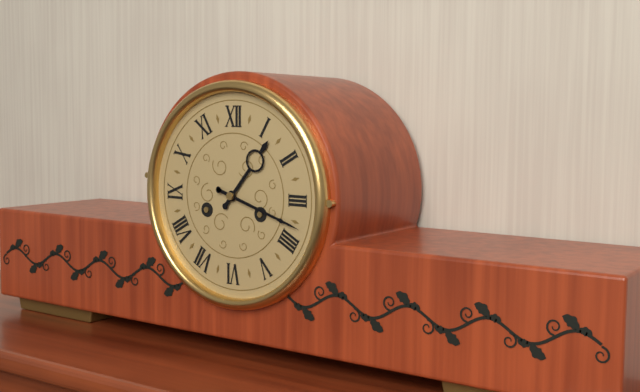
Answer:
1h18
